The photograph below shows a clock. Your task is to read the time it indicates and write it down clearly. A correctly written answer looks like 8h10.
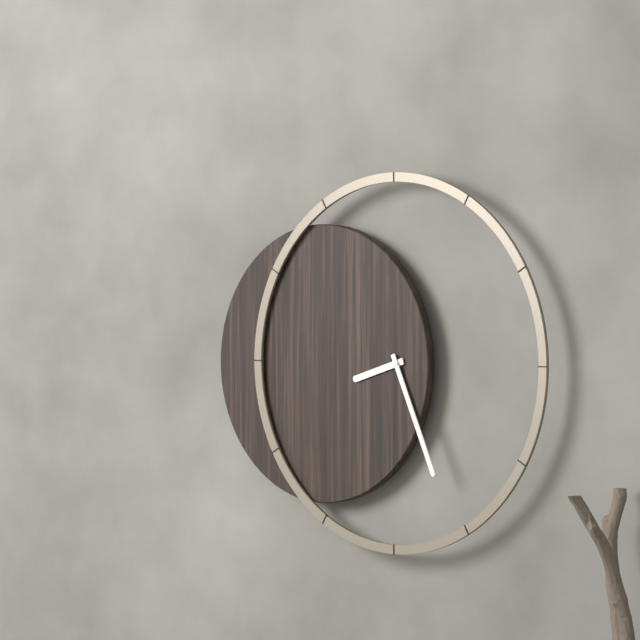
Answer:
8h26
